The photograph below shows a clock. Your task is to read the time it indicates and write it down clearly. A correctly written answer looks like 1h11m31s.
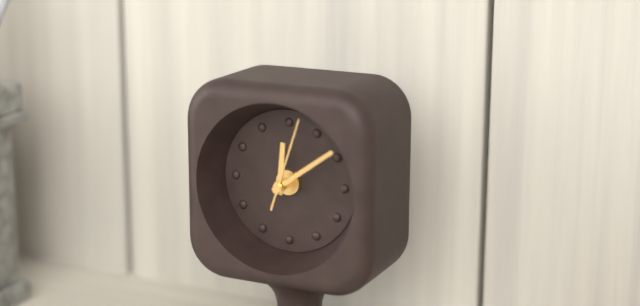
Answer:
12h09m03s
